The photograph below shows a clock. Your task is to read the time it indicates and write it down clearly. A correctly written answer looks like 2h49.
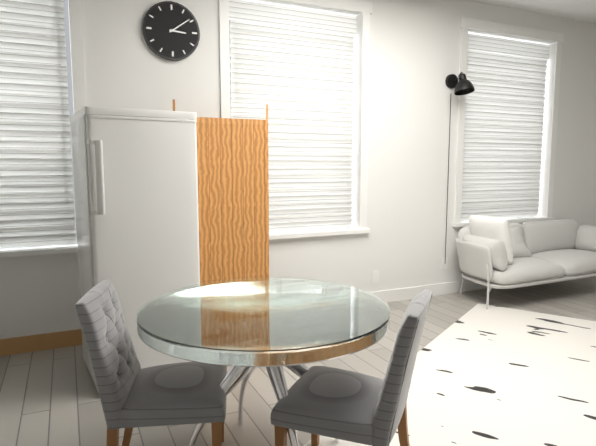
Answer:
3h09
